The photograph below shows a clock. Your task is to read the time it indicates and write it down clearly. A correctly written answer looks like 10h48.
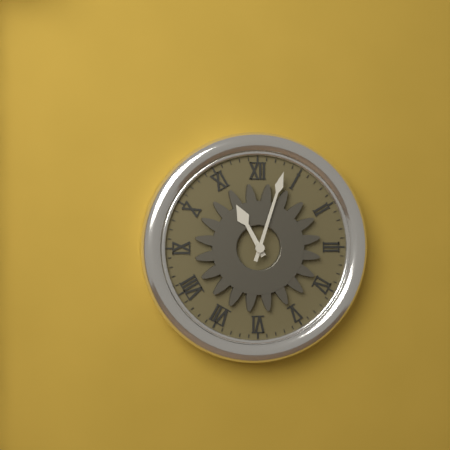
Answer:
11h03
